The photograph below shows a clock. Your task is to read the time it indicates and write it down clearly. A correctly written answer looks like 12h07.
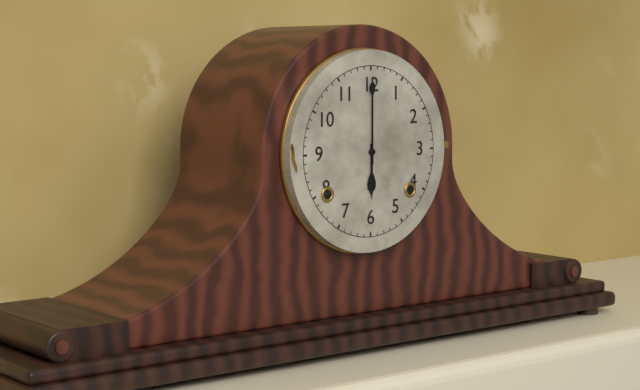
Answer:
6h00
